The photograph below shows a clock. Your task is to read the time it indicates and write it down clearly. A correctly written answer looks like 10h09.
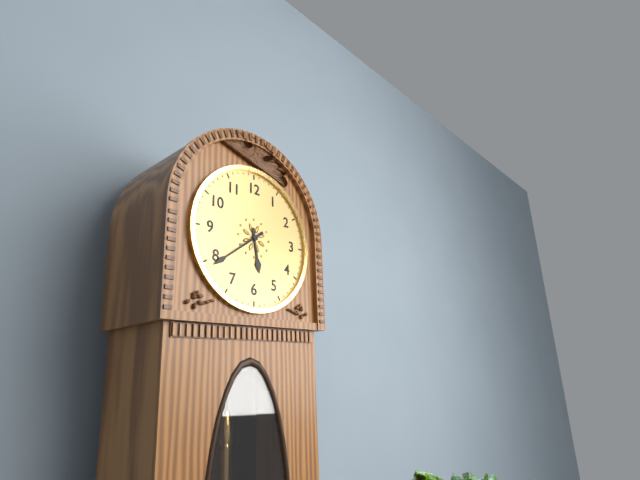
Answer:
5h39
